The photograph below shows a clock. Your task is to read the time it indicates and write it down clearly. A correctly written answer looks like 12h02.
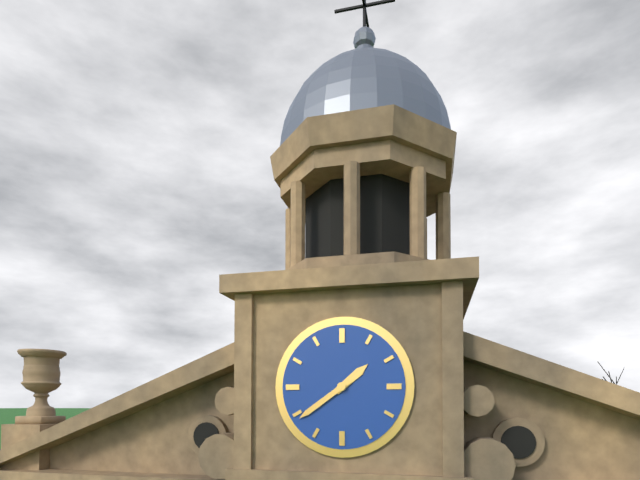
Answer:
1h39
